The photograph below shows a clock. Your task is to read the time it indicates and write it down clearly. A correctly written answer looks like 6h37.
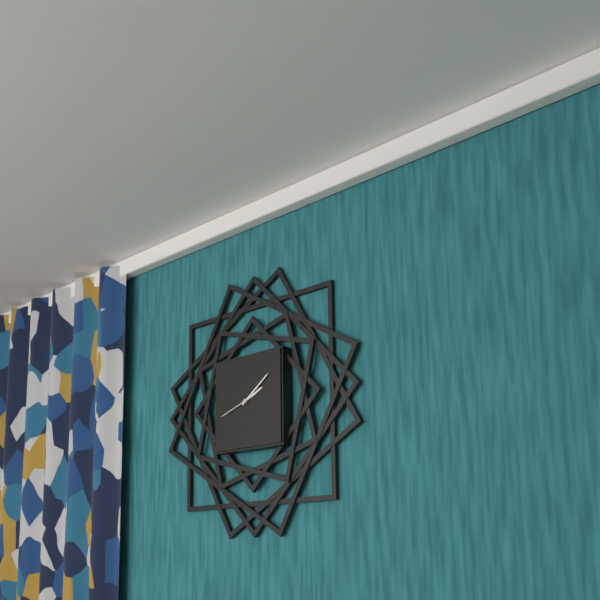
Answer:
2h09
